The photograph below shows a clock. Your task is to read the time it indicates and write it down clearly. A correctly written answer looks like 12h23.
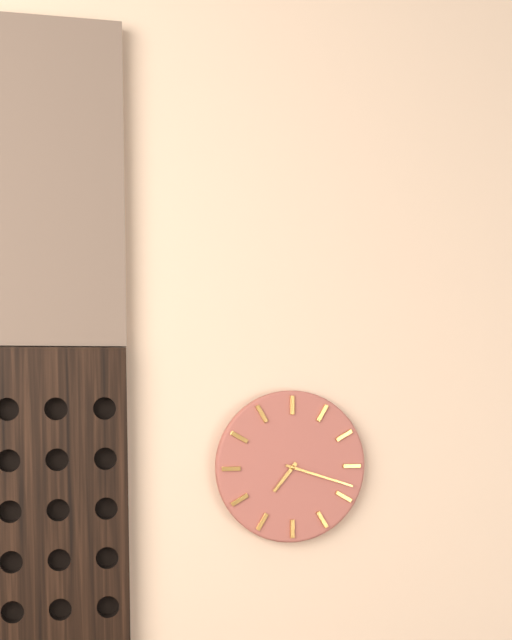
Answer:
7h18
